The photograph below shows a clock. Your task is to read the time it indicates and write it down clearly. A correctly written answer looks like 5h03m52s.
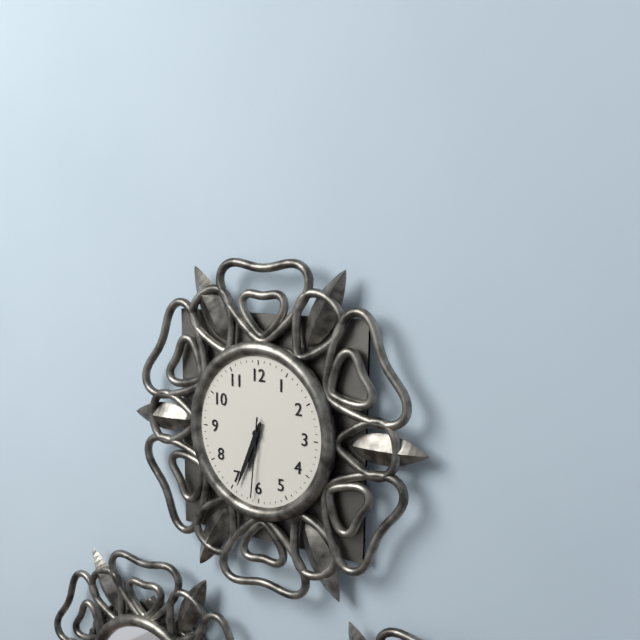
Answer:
6h34m31s
